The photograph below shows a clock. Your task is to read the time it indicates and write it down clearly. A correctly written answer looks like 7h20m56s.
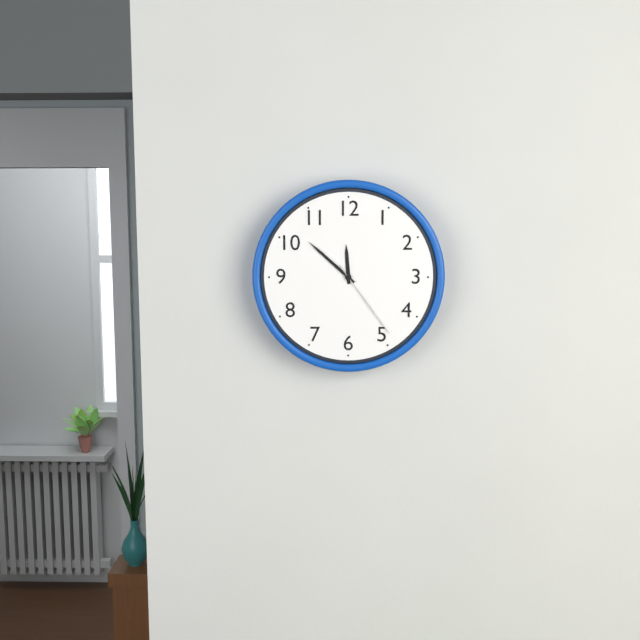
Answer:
11h52m24s
